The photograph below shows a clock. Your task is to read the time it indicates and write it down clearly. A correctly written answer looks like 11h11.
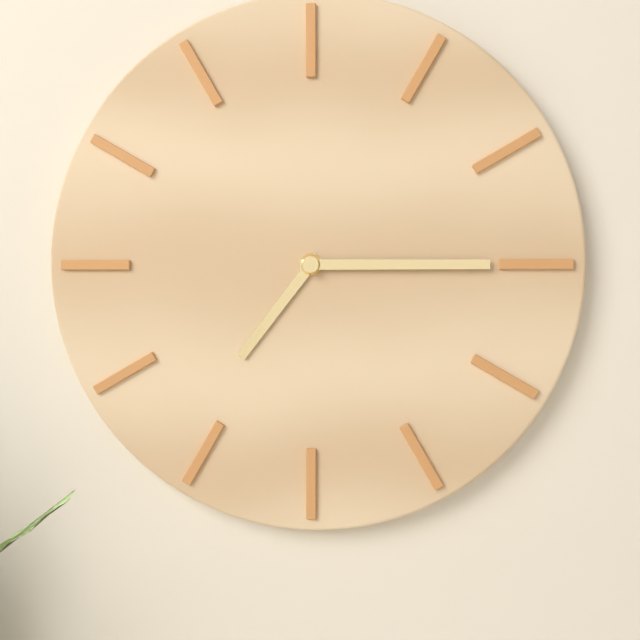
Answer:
7h15
